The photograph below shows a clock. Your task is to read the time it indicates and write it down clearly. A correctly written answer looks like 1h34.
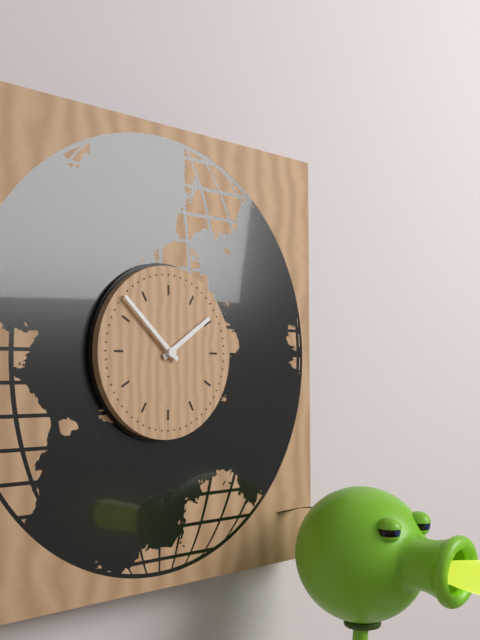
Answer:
1h52
